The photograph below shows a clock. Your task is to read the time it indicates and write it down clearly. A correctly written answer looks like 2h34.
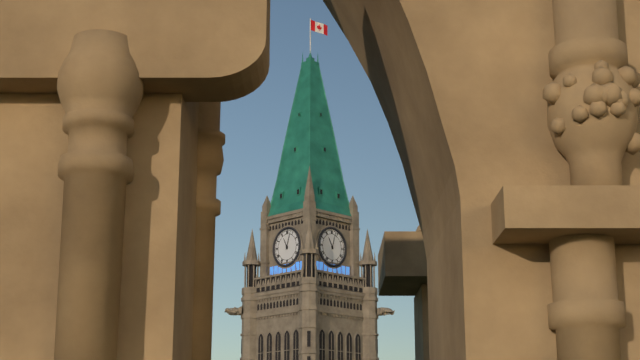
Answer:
11h03
